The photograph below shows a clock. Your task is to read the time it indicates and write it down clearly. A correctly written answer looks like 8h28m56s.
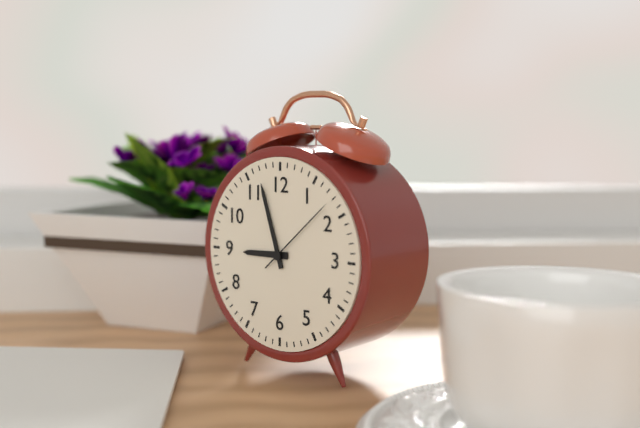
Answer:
8h57m08s
